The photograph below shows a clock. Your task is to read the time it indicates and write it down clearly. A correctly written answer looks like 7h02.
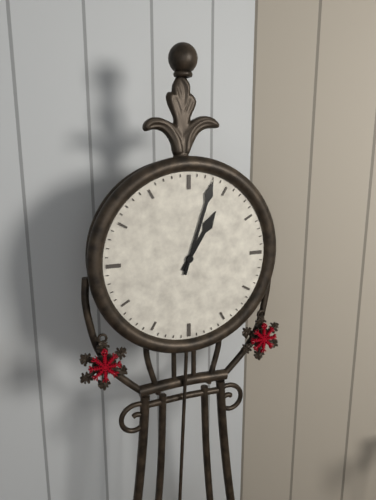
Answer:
1h03
